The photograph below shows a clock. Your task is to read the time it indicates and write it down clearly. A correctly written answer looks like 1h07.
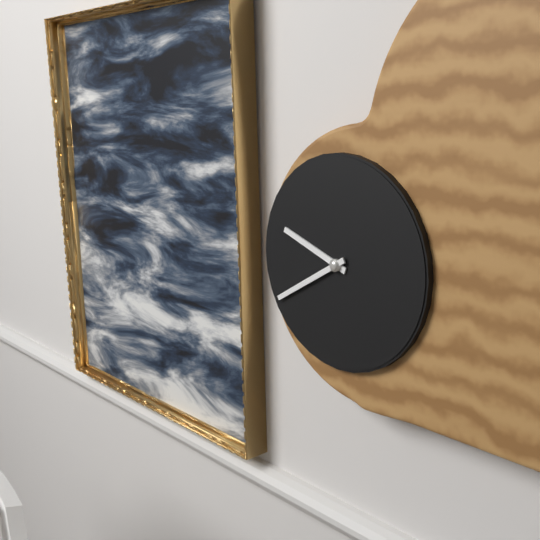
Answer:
9h40
